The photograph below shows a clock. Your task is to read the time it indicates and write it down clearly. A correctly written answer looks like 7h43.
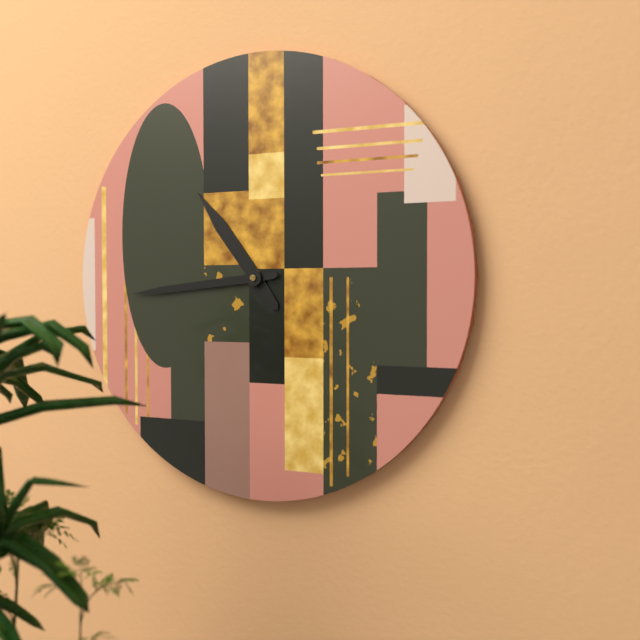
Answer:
10h44
